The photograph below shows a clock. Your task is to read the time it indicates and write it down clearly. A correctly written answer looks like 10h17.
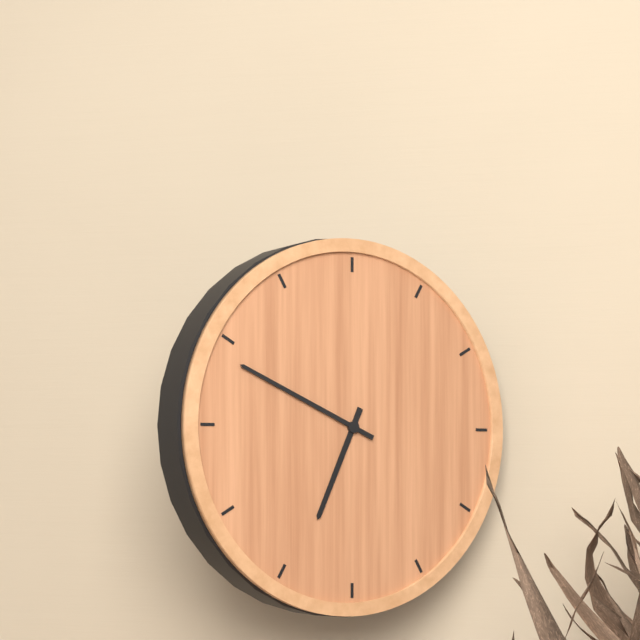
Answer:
6h49
